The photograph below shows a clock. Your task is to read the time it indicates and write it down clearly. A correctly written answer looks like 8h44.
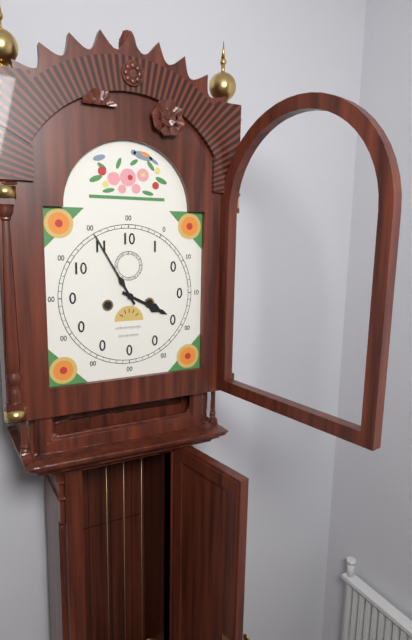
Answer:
3h55
